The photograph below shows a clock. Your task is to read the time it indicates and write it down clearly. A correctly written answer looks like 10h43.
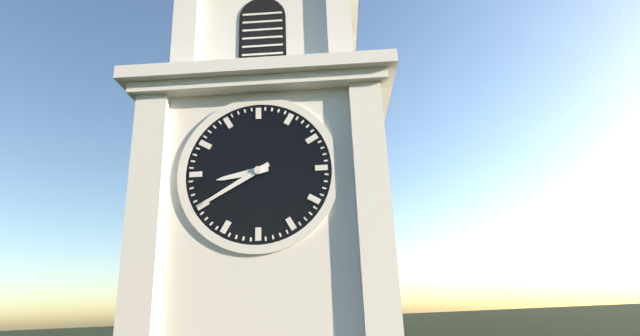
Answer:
8h40
